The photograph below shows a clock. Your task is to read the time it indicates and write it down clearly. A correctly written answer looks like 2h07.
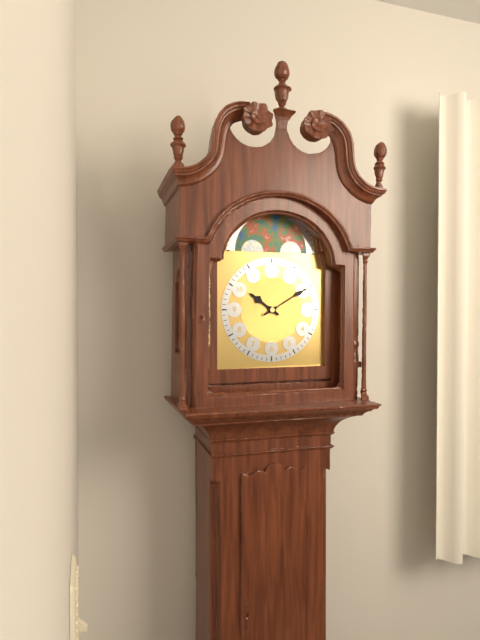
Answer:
10h10
